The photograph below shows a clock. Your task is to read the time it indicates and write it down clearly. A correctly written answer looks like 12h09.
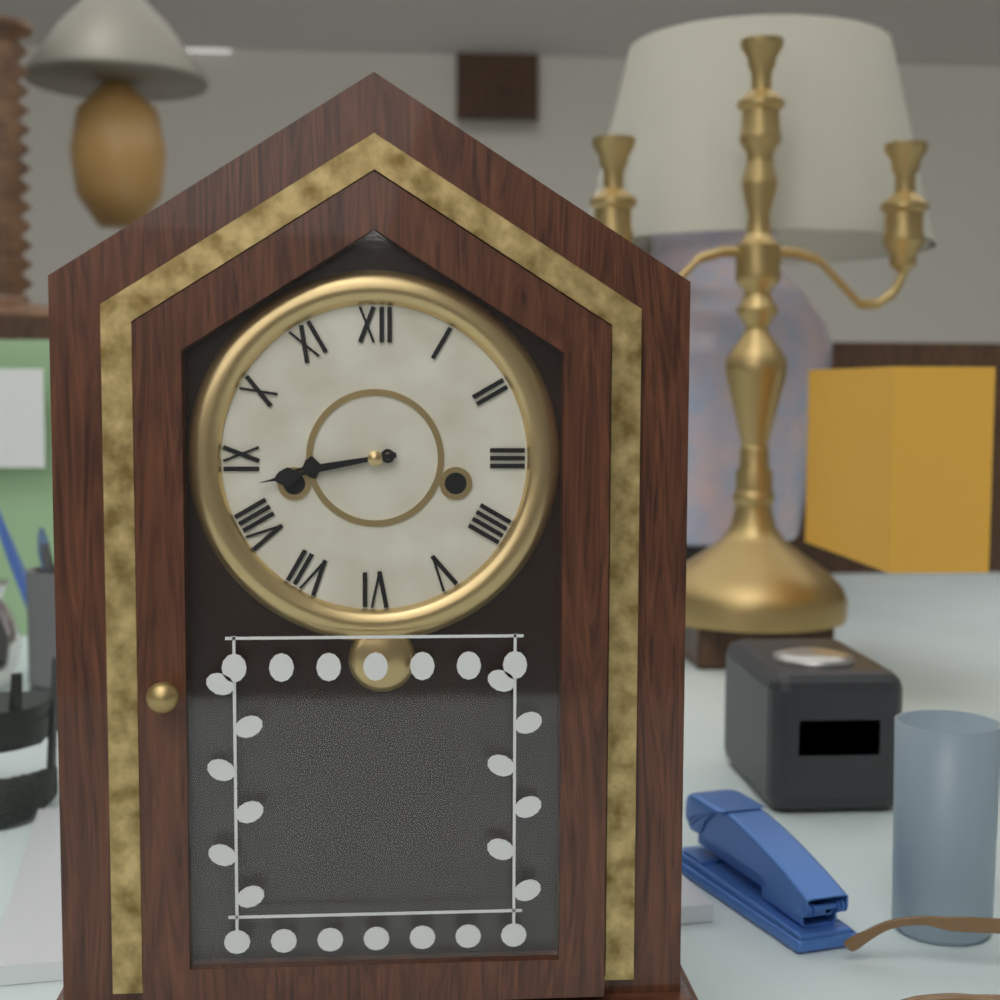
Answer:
8h43
